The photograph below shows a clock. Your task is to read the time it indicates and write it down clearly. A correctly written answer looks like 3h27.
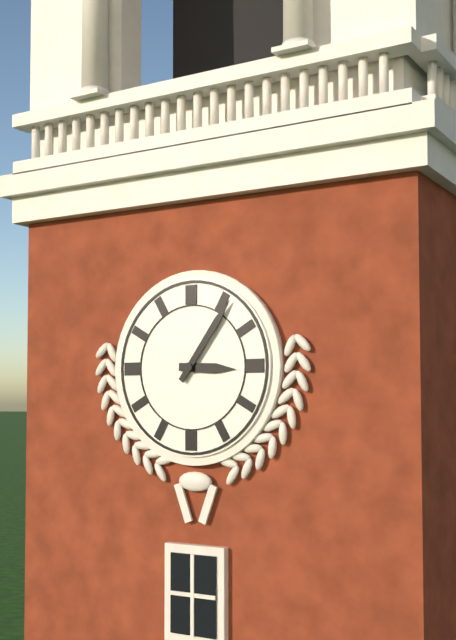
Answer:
3h06
